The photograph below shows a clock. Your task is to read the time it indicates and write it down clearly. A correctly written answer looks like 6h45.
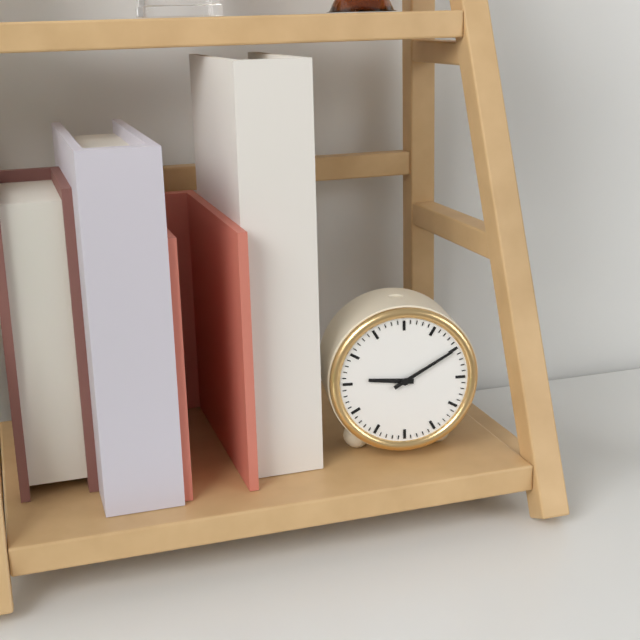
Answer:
9h10
